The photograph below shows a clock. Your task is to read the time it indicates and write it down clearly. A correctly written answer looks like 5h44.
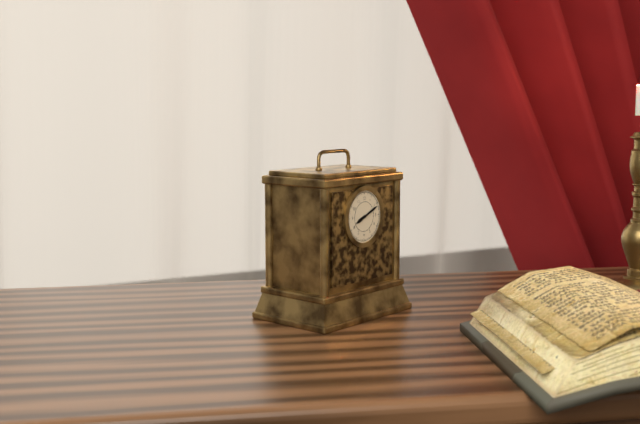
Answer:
8h11
